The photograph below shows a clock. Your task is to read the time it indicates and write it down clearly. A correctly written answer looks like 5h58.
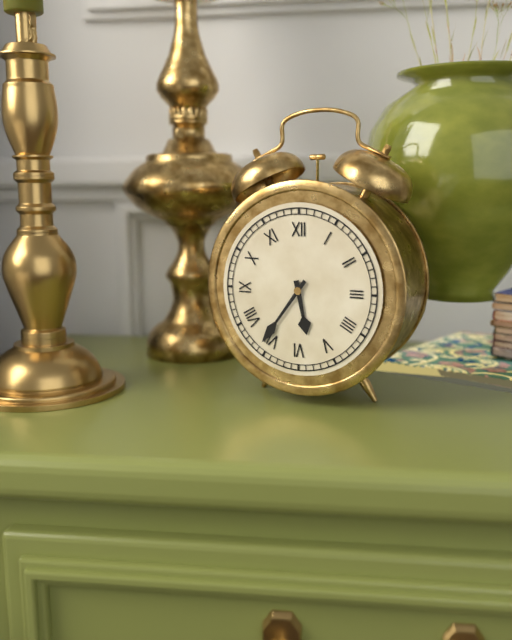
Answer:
5h36
